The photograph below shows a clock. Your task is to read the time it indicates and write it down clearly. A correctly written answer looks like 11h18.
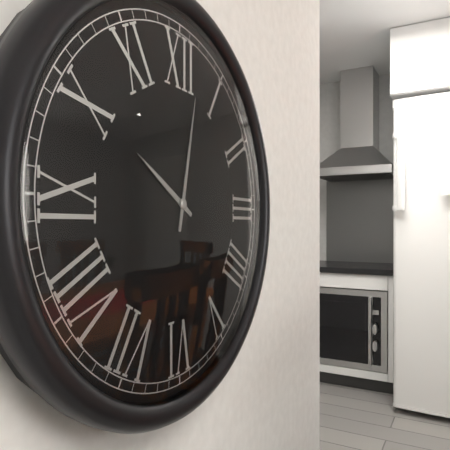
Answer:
10h02
